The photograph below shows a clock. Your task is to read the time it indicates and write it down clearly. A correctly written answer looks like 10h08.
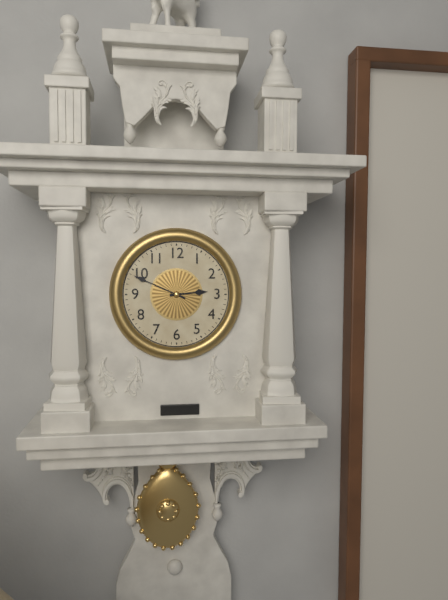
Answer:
2h49
